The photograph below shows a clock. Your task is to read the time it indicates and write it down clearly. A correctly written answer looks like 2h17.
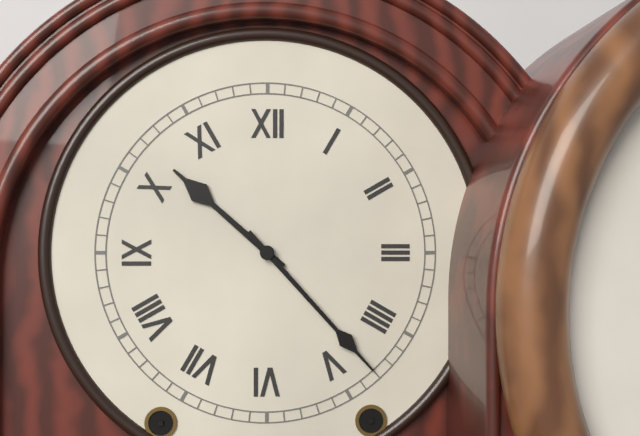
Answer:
10h23
